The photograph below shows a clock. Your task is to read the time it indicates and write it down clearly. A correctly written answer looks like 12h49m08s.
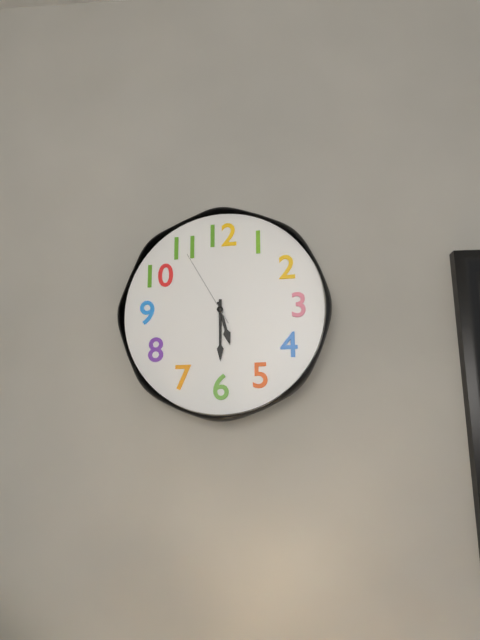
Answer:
5h30m55s
